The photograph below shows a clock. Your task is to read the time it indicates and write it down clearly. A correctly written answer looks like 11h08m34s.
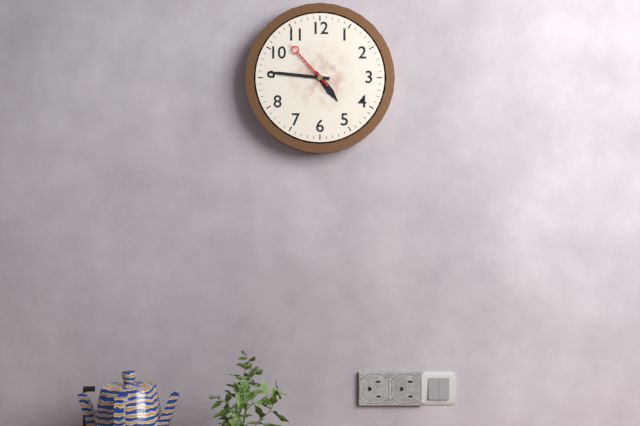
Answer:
4h46m53s
